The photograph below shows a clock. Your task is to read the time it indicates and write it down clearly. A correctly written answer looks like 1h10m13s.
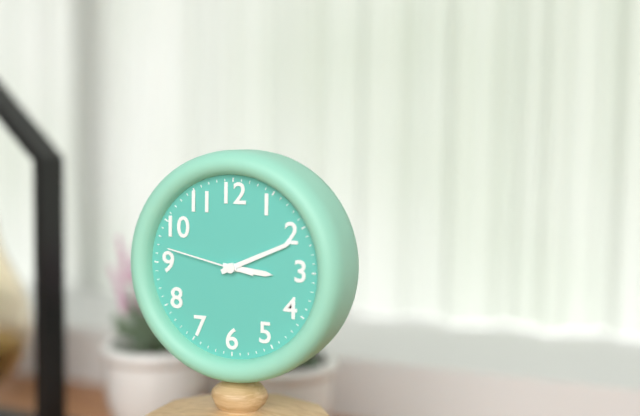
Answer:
3h11m47s
